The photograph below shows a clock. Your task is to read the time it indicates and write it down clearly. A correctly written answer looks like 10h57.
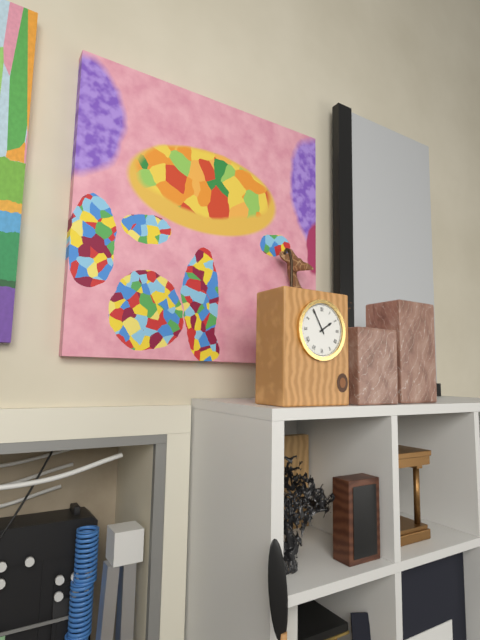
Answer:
1h55
